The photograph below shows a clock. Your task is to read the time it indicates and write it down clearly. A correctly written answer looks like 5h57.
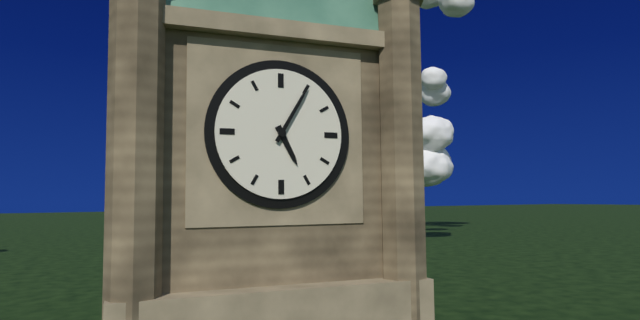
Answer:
5h05
